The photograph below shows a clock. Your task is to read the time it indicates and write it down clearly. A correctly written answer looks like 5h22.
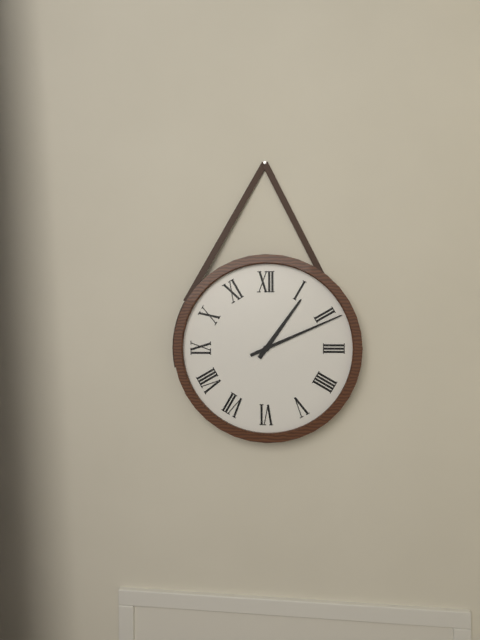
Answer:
1h11
